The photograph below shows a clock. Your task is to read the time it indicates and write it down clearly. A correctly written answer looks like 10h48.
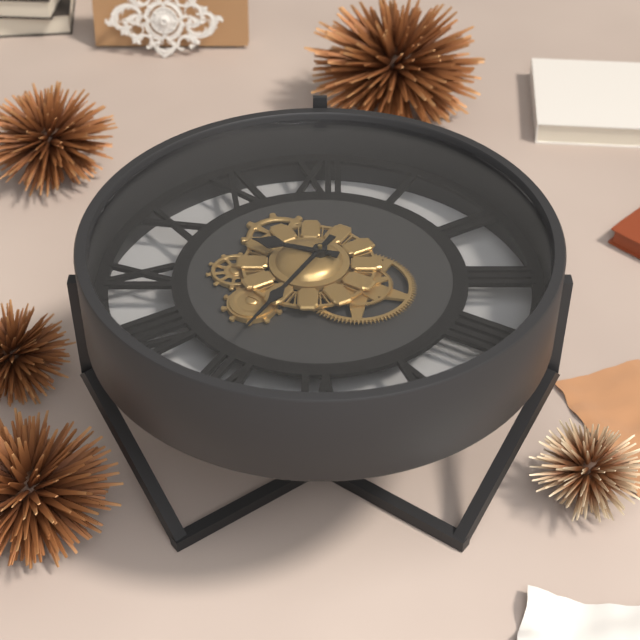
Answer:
9h35
